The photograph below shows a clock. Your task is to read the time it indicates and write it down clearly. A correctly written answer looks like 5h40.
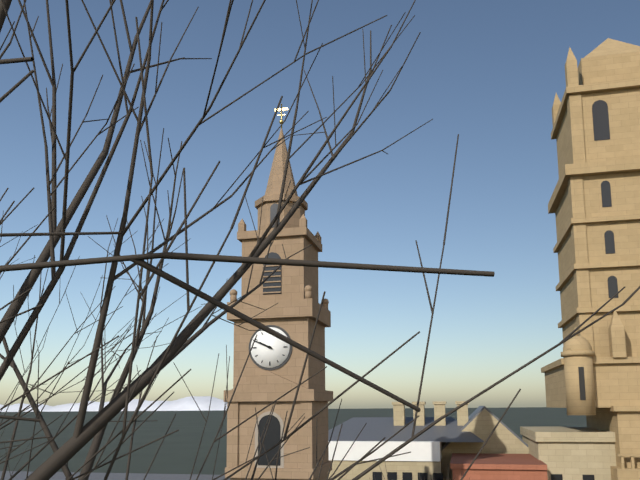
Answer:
9h49
